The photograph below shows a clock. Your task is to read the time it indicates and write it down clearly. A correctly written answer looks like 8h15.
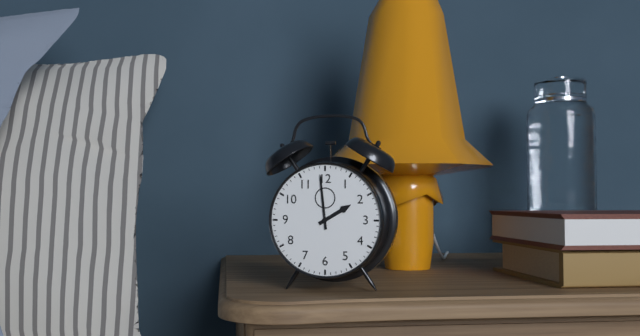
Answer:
1h59
